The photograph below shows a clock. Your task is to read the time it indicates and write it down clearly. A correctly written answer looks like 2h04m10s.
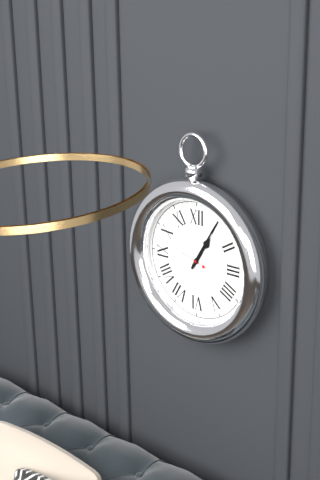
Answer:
1h05m48s
